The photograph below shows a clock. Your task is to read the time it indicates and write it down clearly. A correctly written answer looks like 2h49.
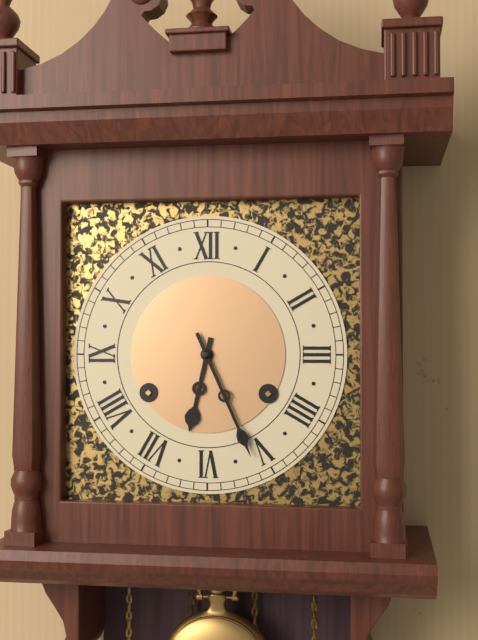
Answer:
6h26
